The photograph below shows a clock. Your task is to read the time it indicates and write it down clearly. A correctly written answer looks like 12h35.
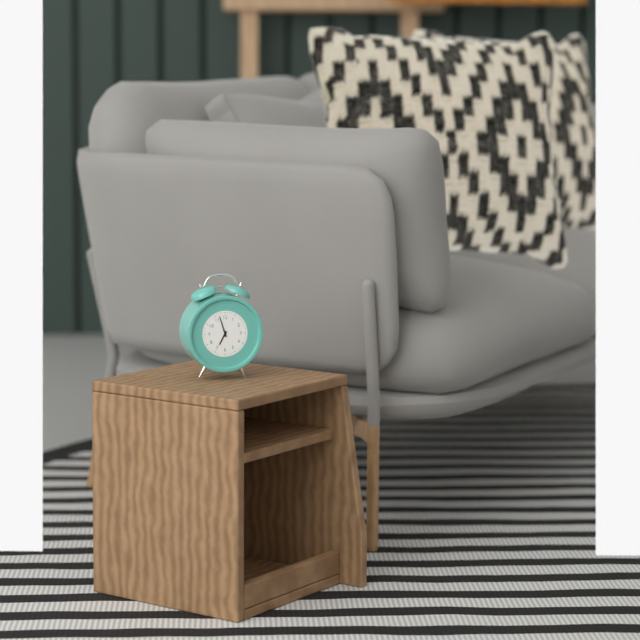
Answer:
6h57
